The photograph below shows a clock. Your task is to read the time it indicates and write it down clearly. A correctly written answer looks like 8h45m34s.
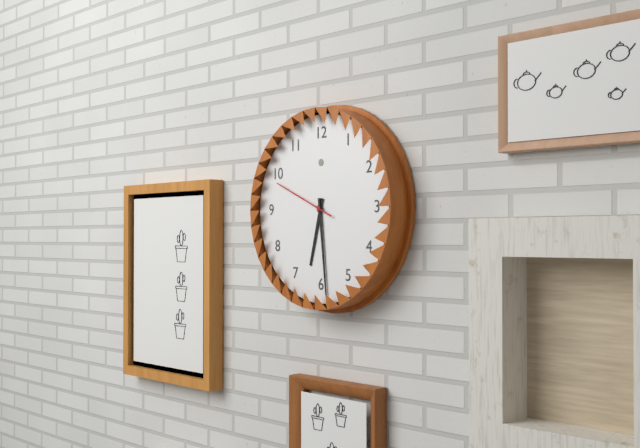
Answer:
6h29m49s
